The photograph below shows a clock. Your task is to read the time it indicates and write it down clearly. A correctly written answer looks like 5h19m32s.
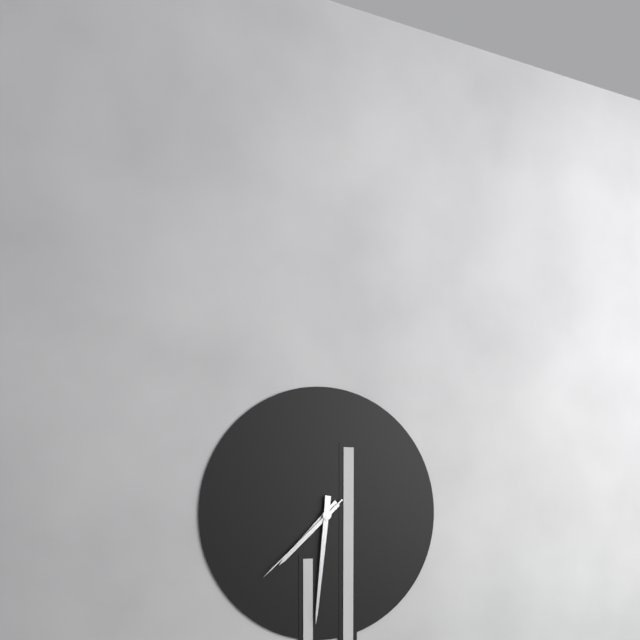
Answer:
7h31m38s
